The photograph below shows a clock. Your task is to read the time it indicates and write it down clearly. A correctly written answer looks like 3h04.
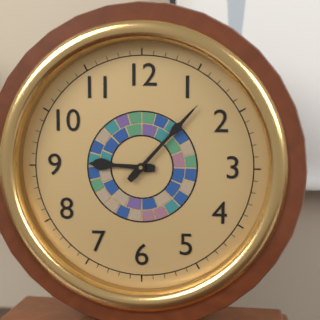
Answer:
9h07
